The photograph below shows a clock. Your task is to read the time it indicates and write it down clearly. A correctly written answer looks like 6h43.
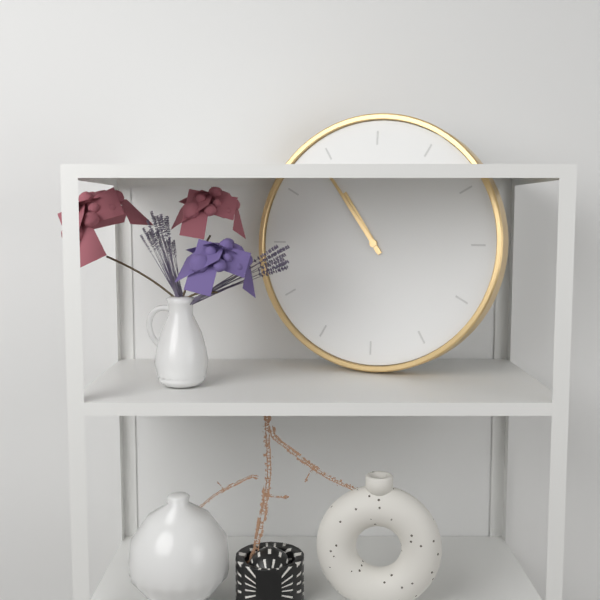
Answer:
10h54
